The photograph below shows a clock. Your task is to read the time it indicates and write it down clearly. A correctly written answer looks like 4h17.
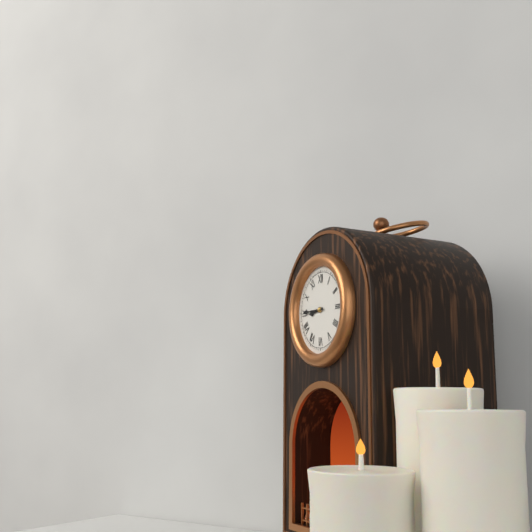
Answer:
8h45
